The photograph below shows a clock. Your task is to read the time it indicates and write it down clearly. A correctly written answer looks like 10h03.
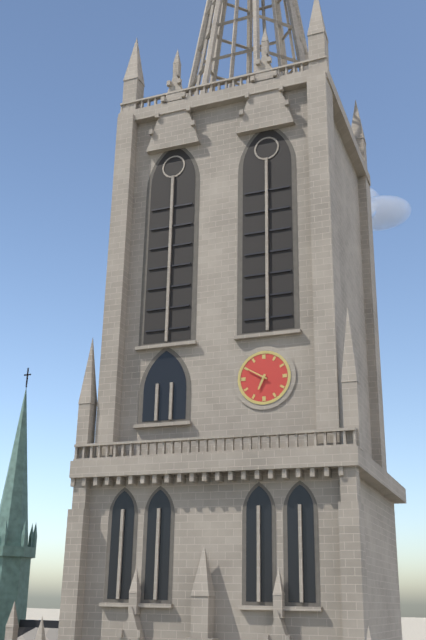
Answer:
6h50
